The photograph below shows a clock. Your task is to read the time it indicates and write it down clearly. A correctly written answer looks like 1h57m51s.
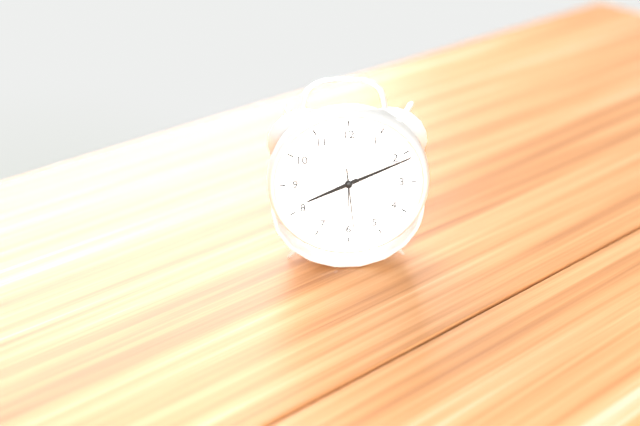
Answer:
8h11m29s
